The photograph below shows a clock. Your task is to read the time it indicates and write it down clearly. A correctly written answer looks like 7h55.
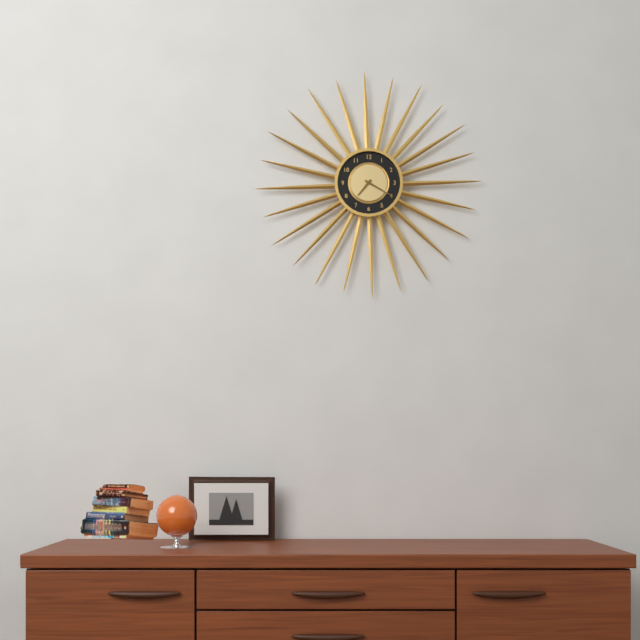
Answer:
7h20
